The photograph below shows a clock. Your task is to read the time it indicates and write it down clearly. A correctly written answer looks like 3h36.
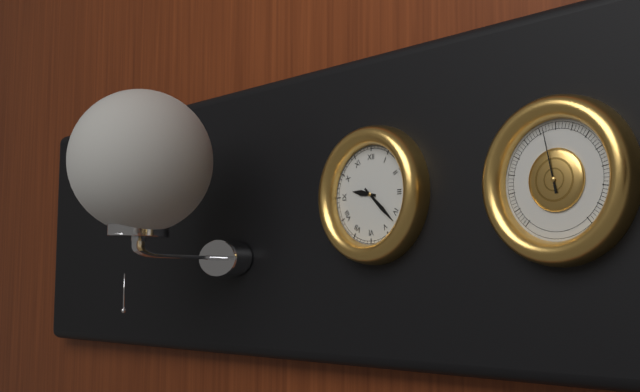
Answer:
9h22
